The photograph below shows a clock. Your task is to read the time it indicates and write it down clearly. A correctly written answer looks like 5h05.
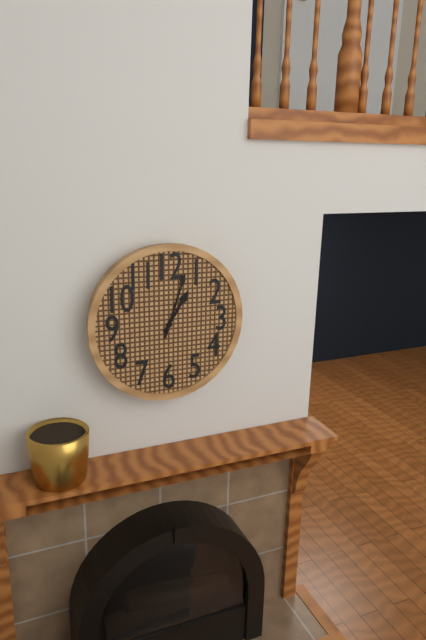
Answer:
1h03
